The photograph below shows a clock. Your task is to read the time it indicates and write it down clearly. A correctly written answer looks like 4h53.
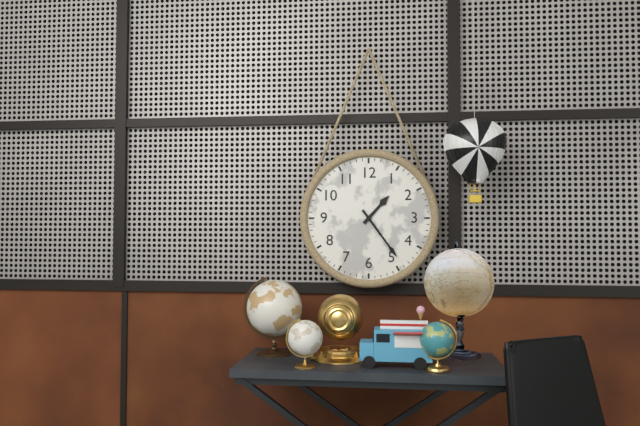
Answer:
1h24
